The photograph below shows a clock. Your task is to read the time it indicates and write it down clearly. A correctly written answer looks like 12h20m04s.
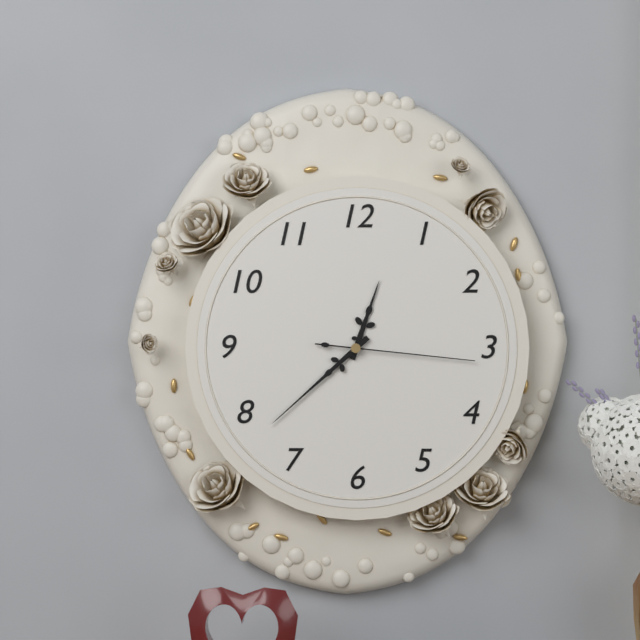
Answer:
12h38m16s
